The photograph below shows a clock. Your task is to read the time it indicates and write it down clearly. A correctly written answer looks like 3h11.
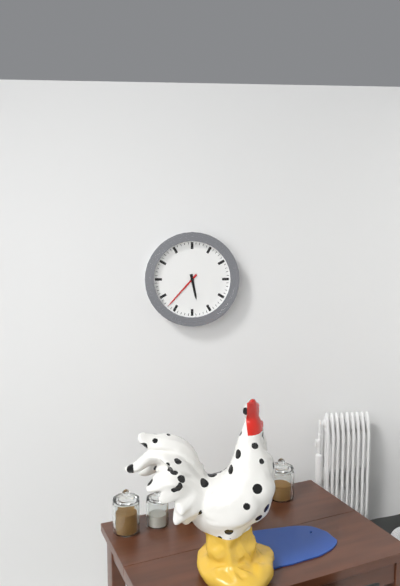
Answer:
5h37
